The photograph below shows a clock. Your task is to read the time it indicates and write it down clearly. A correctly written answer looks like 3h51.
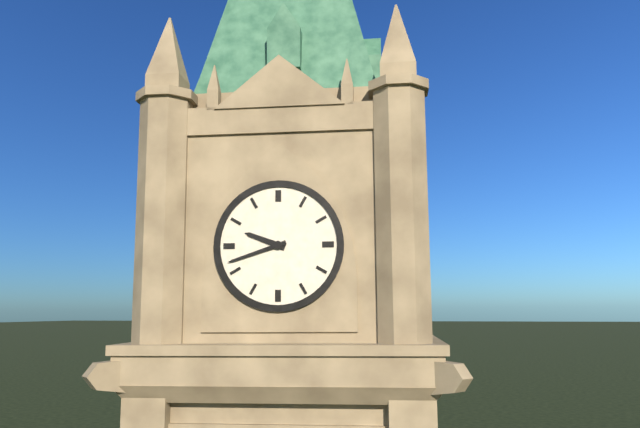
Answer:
9h42
